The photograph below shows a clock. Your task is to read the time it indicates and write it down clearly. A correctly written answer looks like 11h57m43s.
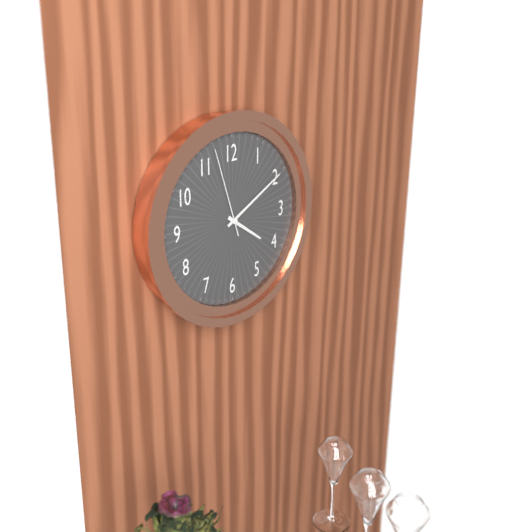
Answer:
4h10m57s
